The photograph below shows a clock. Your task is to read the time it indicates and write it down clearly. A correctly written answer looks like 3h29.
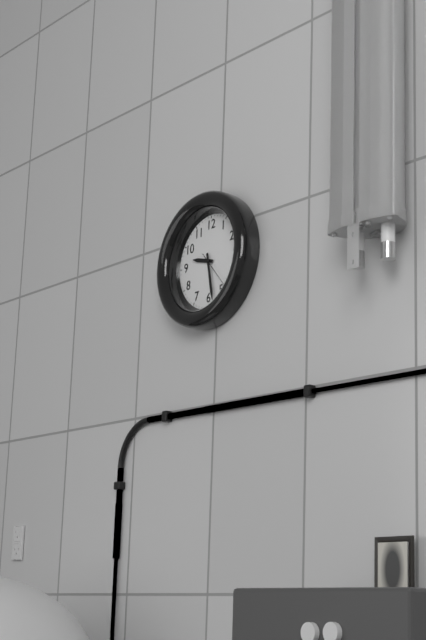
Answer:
9h28
